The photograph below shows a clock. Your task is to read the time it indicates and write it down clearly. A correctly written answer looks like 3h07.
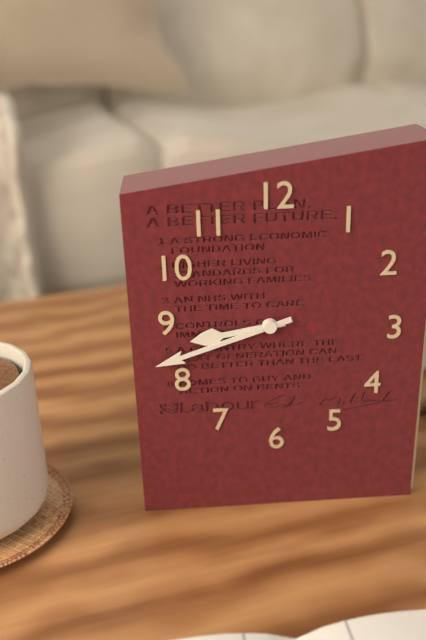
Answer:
8h42
